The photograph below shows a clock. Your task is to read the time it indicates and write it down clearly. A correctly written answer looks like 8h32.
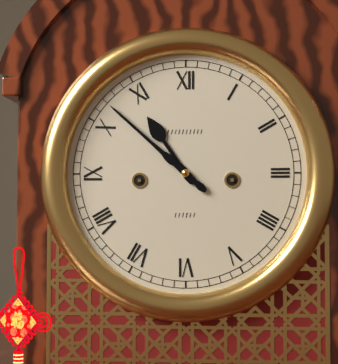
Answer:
10h52
